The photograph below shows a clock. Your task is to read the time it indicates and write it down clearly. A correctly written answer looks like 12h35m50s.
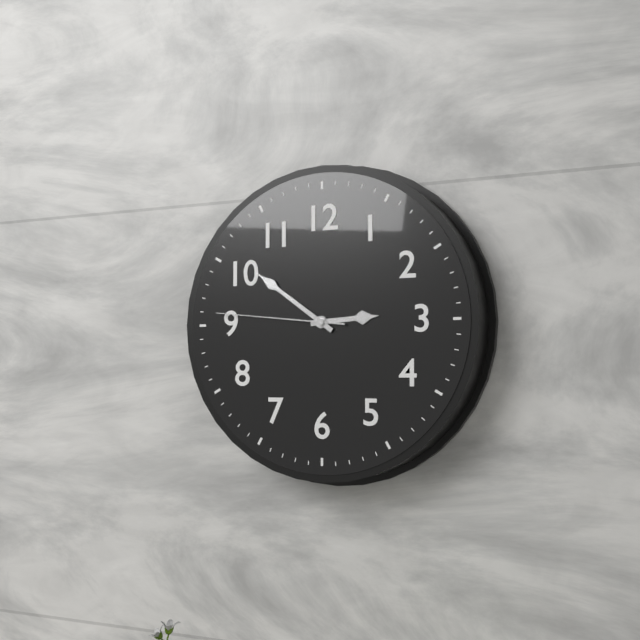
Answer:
2h51m46s
